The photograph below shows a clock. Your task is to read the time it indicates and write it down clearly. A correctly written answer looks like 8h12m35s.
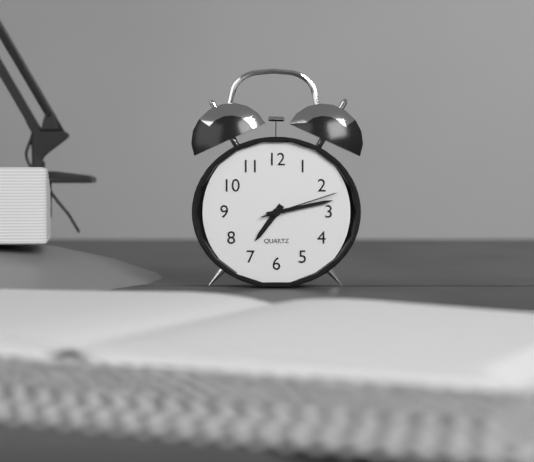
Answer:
7h13m12s
